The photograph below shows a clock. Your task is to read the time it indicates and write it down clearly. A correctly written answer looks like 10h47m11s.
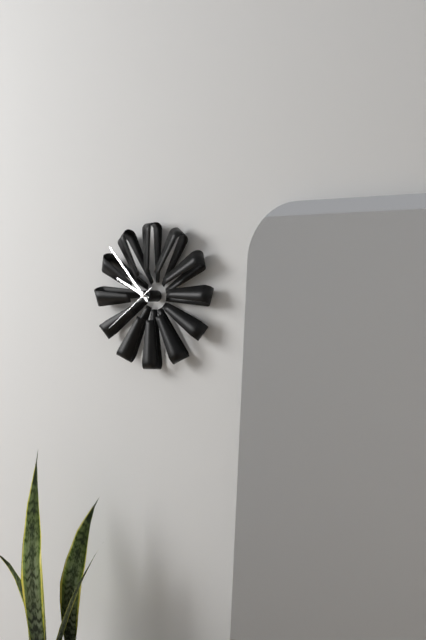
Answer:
9h53m39s
